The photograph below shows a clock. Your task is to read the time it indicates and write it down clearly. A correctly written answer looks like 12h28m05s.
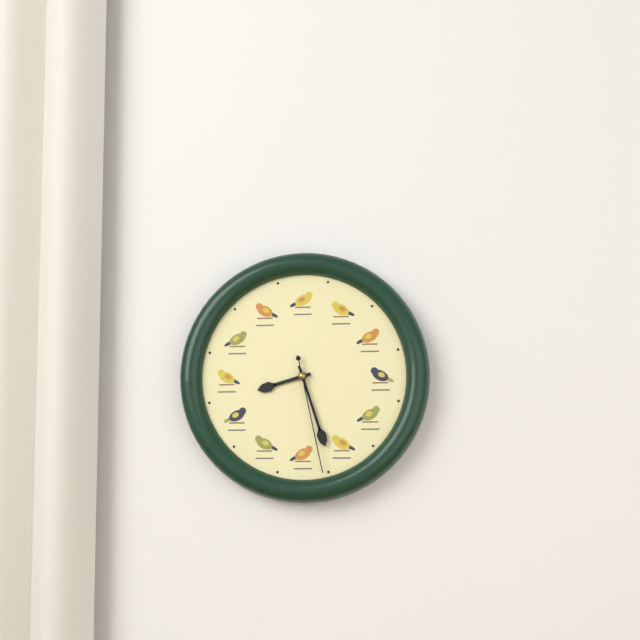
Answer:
8h27m28s
